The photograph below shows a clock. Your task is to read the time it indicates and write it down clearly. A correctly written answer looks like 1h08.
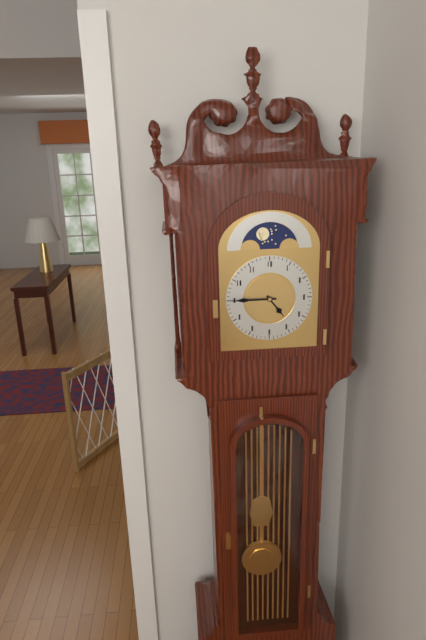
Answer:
4h45
